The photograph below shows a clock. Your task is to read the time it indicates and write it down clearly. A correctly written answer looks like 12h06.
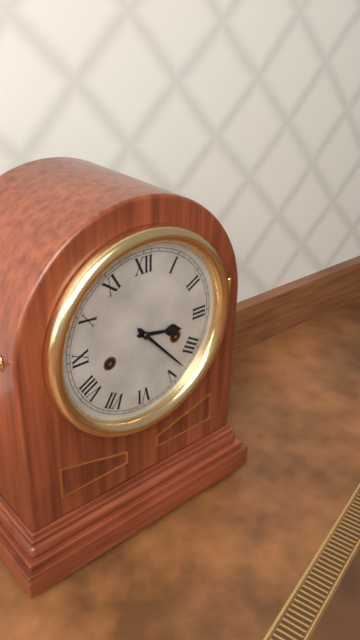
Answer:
3h23
